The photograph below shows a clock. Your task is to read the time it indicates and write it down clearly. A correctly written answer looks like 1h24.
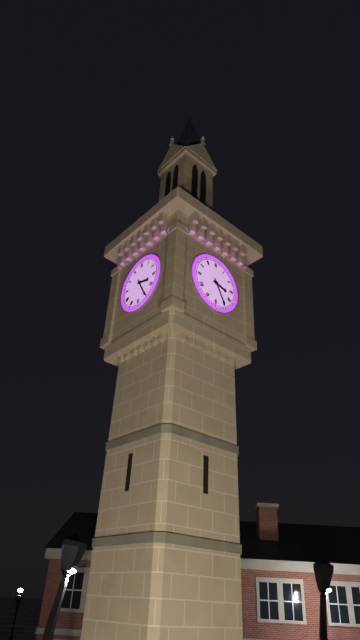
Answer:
3h25
